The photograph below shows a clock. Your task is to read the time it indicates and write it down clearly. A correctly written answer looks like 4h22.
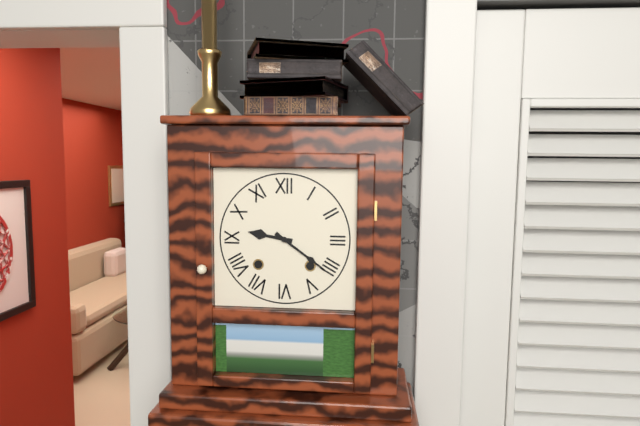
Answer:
9h21
